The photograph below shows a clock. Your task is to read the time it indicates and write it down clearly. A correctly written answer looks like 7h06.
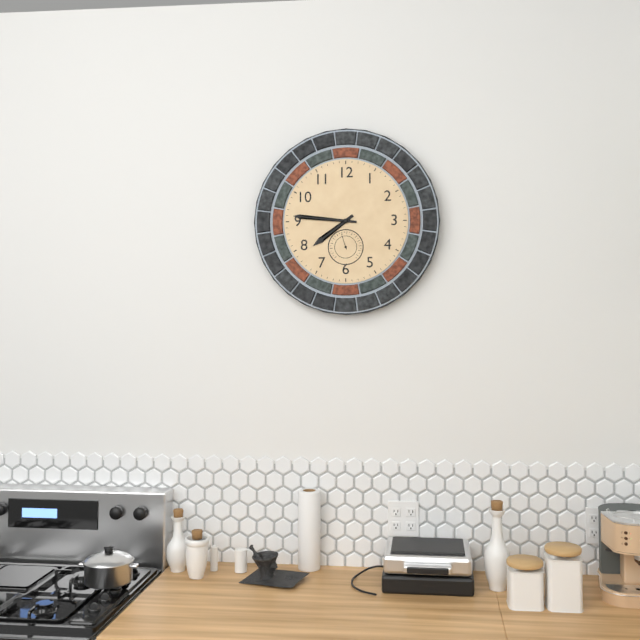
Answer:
7h46
